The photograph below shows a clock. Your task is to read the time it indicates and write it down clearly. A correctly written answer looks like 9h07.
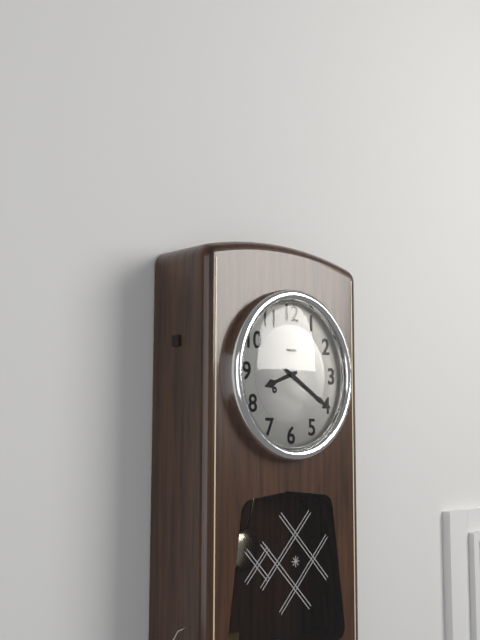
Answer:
8h20
